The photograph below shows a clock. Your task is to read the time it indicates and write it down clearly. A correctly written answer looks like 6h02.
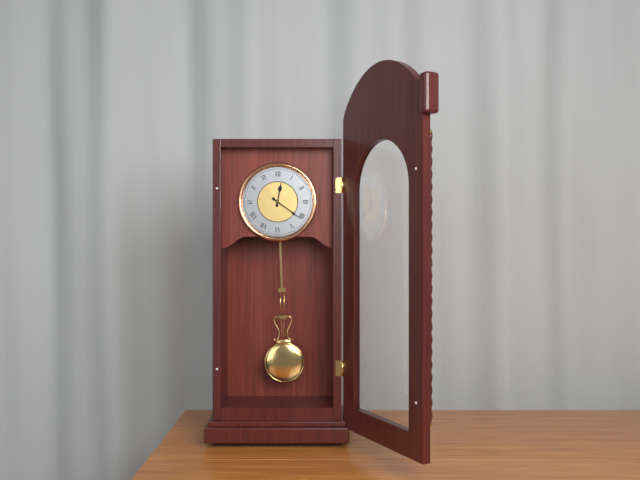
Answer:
12h21
